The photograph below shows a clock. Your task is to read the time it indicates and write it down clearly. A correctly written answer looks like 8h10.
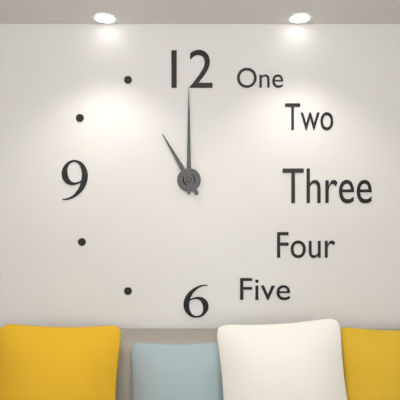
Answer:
11h00
